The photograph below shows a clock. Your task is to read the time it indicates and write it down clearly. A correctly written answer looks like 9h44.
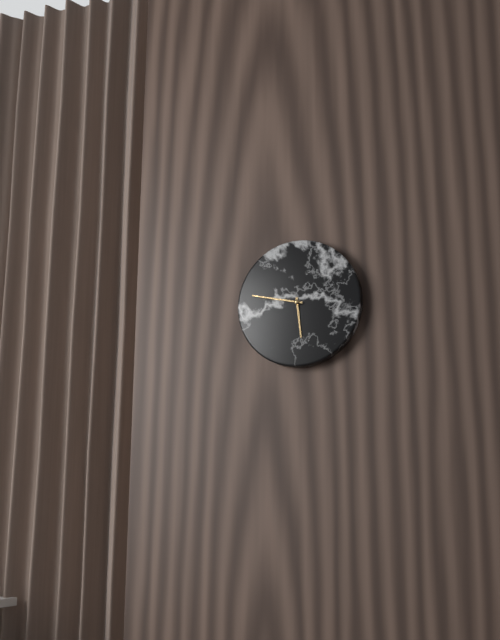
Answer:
5h47
